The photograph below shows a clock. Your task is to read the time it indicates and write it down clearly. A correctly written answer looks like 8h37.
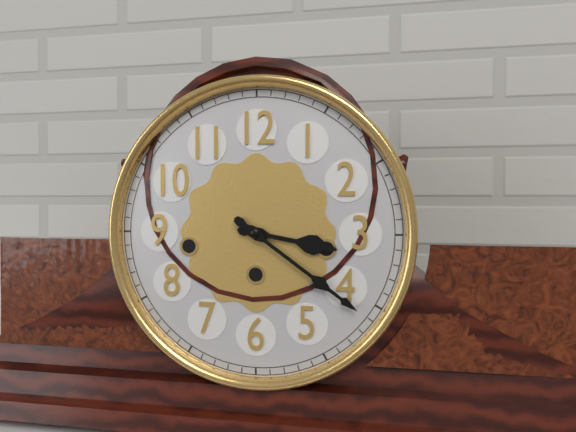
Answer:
3h21
